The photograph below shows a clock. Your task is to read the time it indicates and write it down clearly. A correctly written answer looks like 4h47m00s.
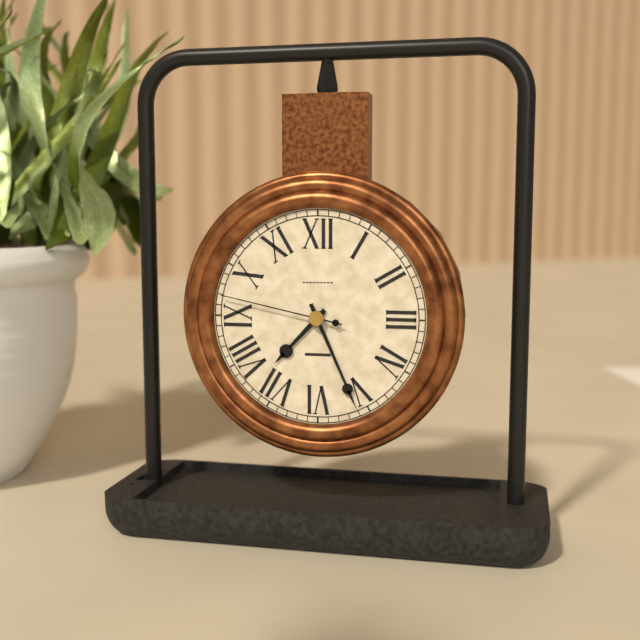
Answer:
7h26m47s
